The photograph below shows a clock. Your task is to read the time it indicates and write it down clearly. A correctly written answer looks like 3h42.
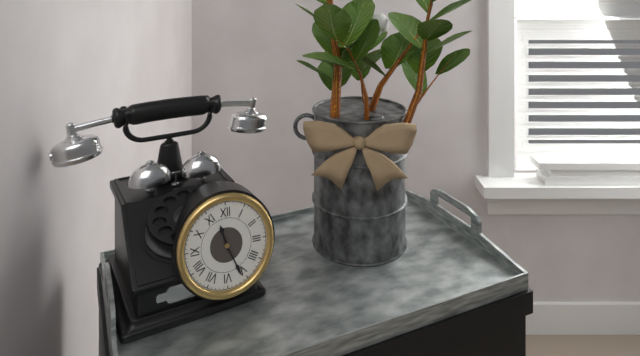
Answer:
11h26
